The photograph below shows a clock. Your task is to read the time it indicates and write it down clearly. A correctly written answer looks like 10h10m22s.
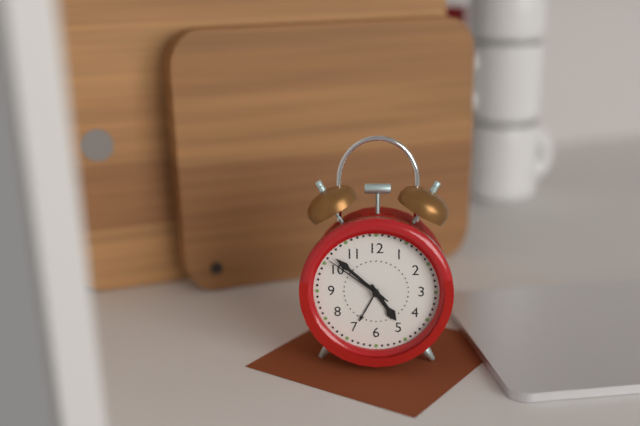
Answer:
4h52m51s
